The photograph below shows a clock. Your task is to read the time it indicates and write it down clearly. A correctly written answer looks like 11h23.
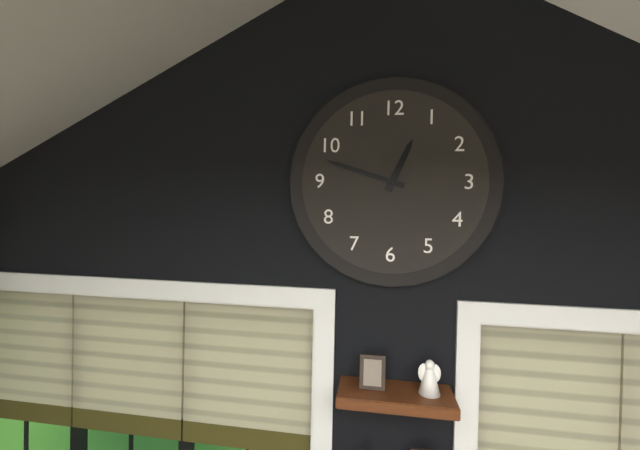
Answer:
12h48
